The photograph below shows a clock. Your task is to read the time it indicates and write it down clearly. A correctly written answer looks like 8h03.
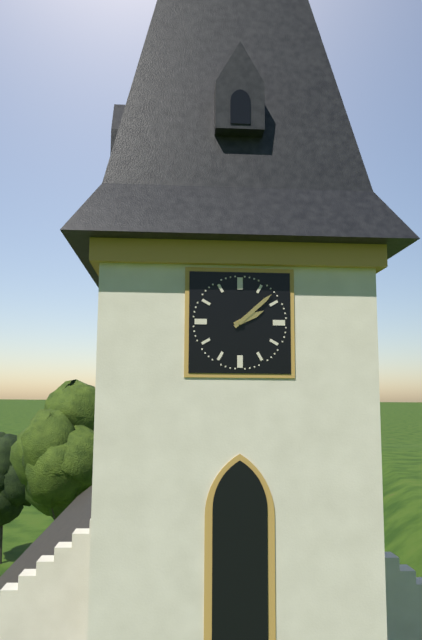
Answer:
2h08
